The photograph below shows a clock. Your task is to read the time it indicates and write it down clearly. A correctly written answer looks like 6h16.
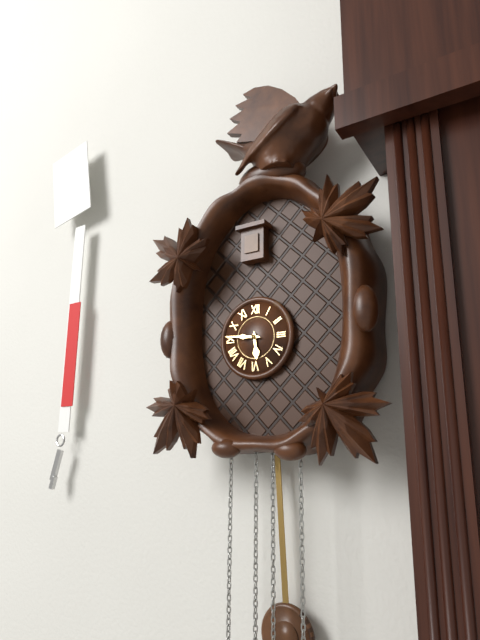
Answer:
5h46
